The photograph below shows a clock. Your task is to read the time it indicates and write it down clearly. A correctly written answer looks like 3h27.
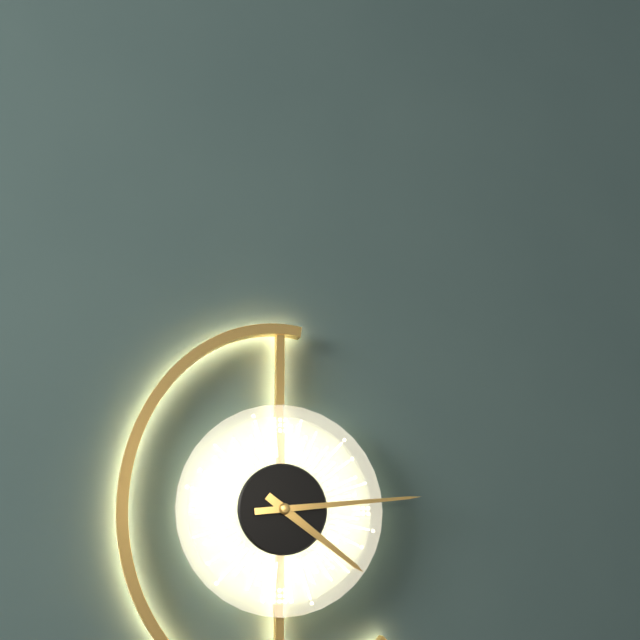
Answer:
4h14
